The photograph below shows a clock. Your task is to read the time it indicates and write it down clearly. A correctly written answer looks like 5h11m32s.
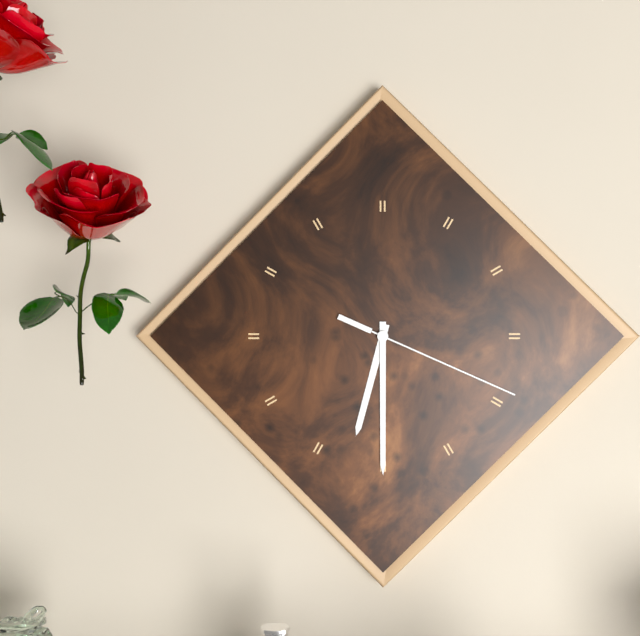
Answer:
6h30m19s
